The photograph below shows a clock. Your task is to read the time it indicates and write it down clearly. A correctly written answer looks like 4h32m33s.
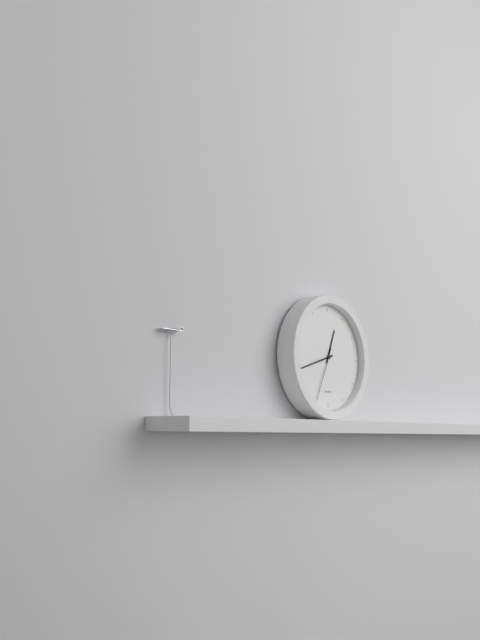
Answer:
12h42m34s
